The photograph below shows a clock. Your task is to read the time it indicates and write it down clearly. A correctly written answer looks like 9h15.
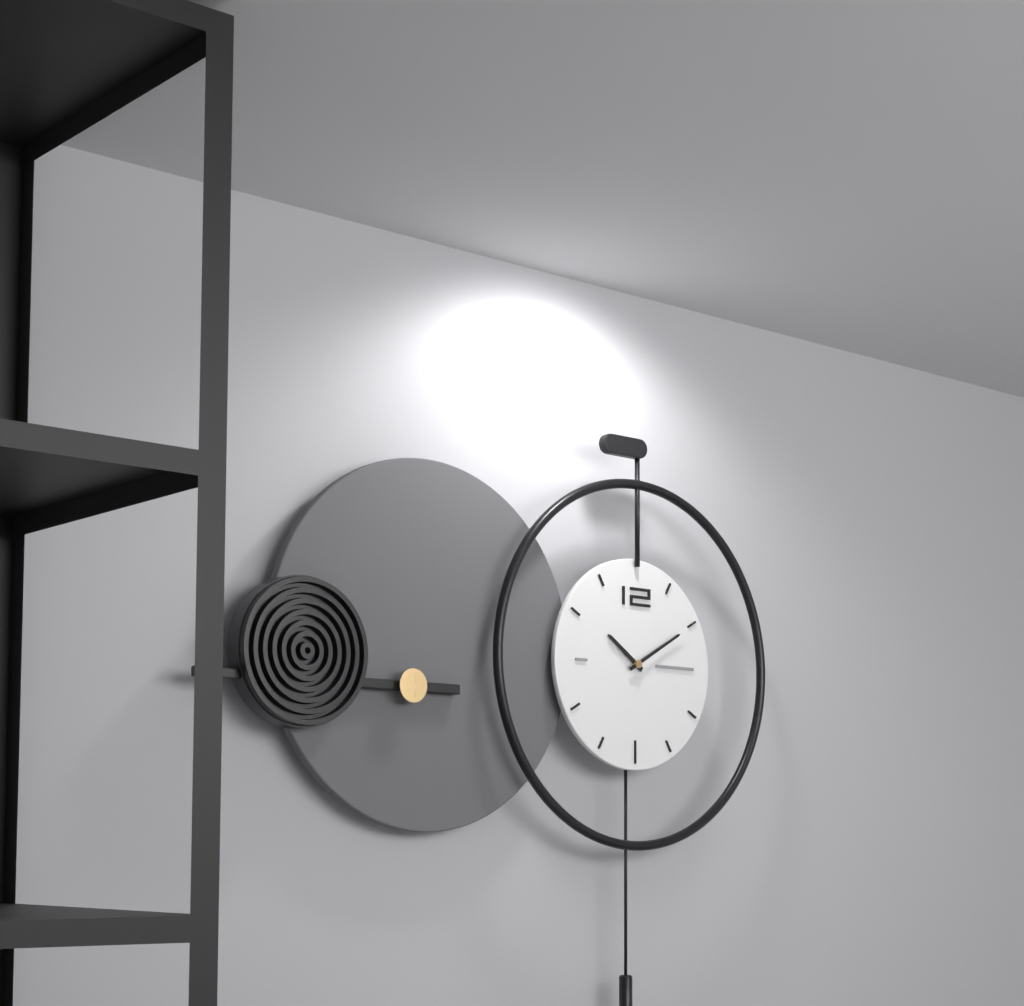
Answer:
10h10
